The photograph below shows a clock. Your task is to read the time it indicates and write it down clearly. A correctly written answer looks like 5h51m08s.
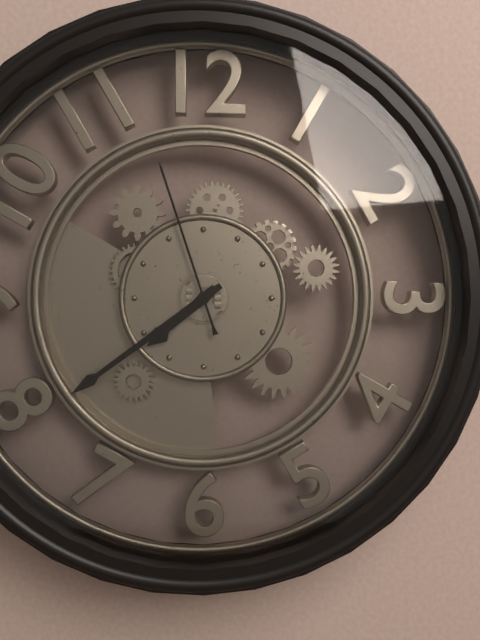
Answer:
7h39m57s
